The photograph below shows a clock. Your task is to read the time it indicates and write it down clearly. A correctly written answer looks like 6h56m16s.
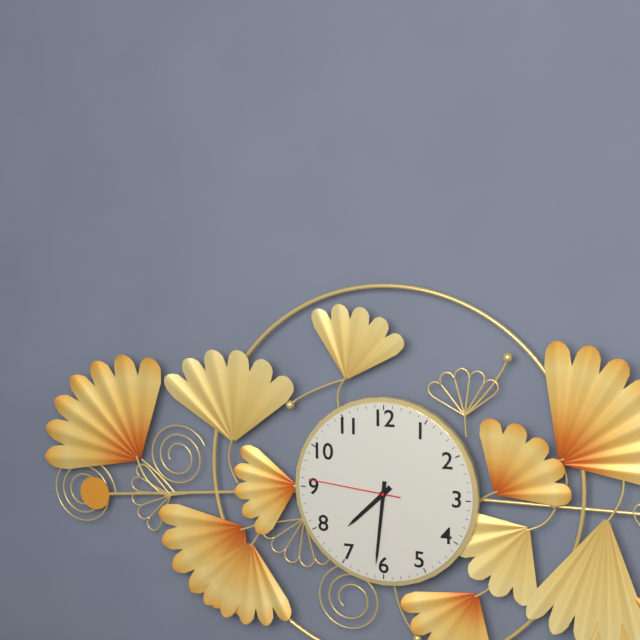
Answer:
7h31m46s
